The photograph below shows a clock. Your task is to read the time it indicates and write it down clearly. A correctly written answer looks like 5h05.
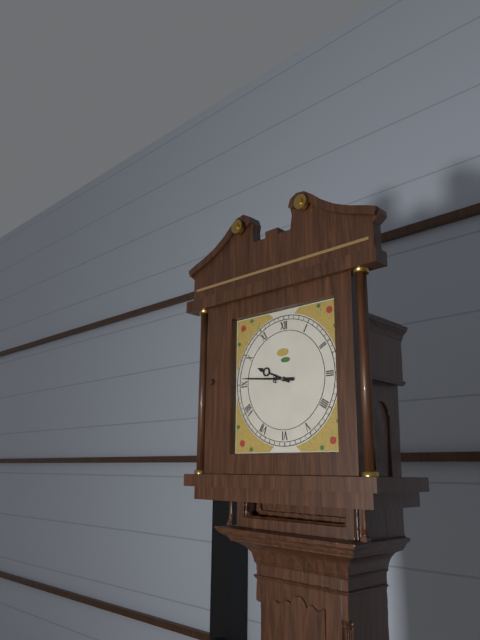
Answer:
9h46
